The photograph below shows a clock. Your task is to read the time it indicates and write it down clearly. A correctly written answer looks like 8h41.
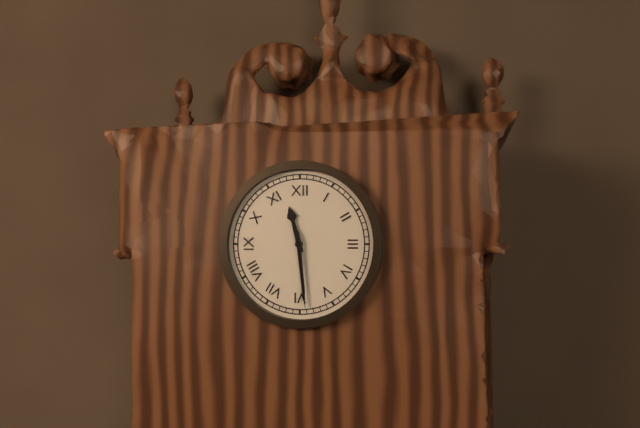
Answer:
11h29
